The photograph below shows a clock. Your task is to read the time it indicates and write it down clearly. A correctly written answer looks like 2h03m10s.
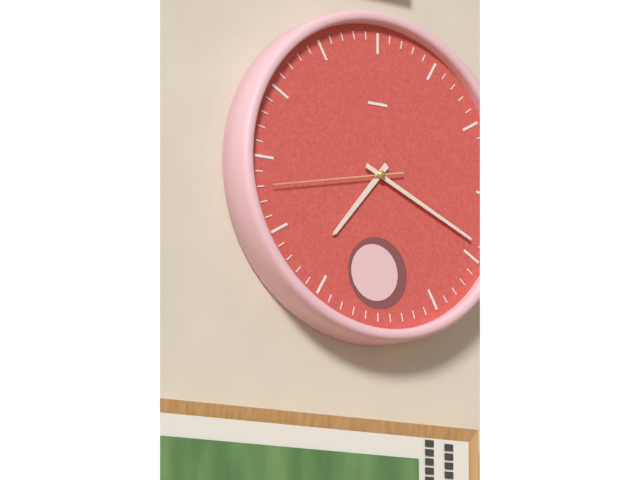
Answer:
7h19m43s
